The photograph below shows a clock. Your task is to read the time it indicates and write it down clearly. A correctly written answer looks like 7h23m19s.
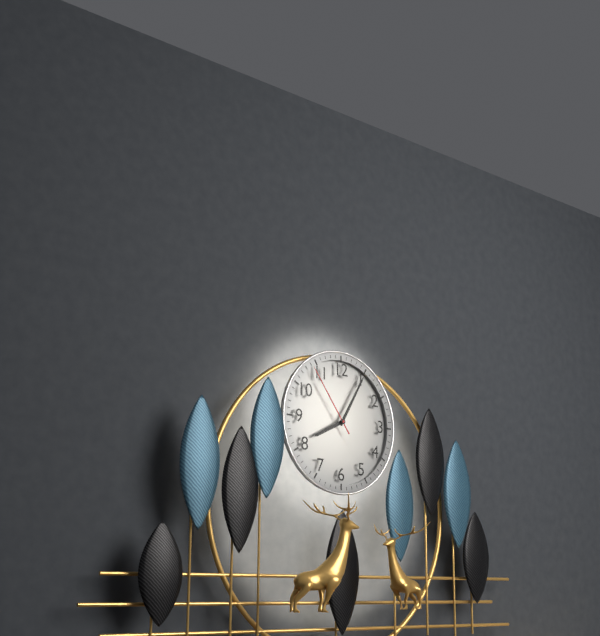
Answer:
8h05m54s
